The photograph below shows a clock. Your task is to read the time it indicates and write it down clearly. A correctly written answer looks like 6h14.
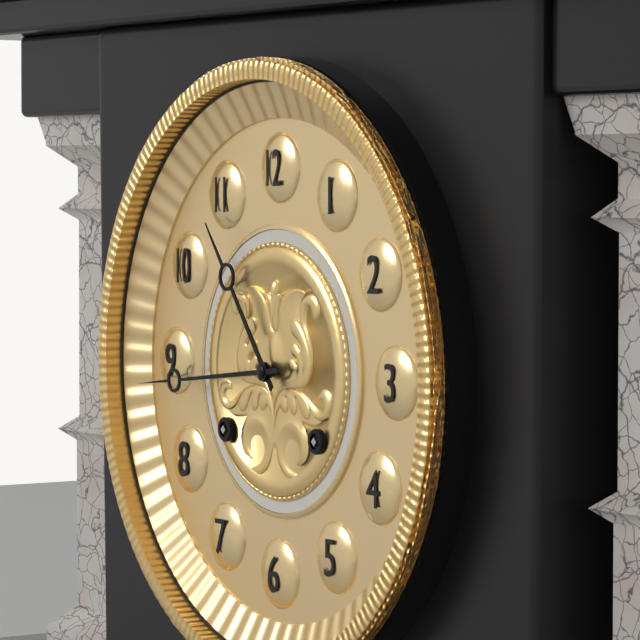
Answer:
10h44
